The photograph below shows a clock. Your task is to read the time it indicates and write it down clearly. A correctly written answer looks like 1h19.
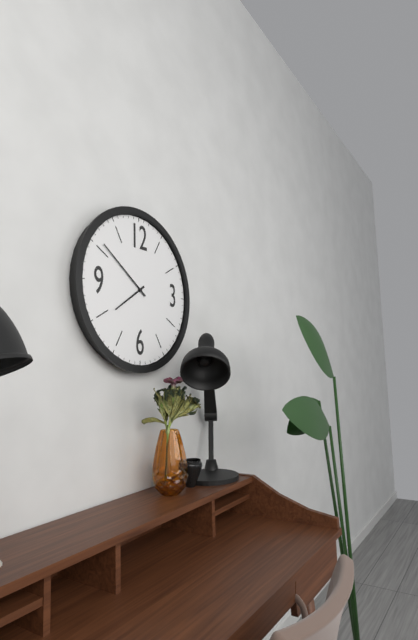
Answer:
7h51
